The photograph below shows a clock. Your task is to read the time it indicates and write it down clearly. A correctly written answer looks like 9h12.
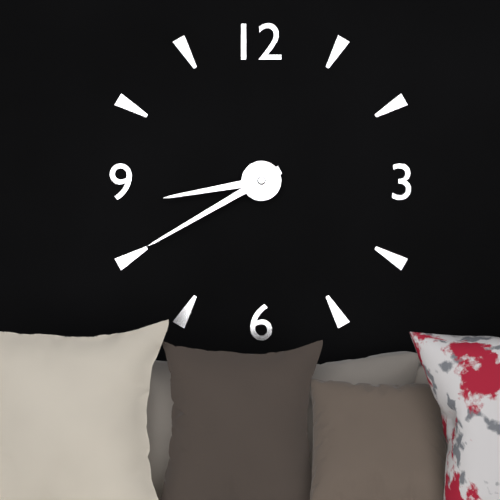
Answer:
8h40
